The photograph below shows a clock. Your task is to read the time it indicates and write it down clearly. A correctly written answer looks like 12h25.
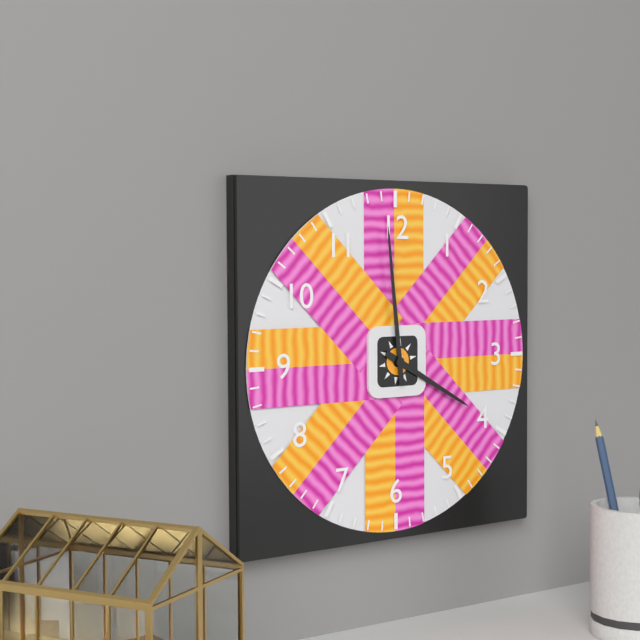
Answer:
3h59
